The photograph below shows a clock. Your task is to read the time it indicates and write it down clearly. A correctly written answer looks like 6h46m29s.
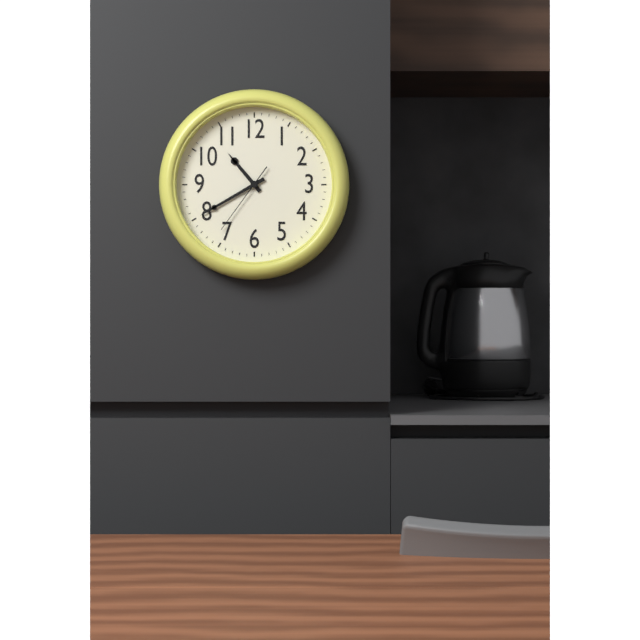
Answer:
10h40m36s
